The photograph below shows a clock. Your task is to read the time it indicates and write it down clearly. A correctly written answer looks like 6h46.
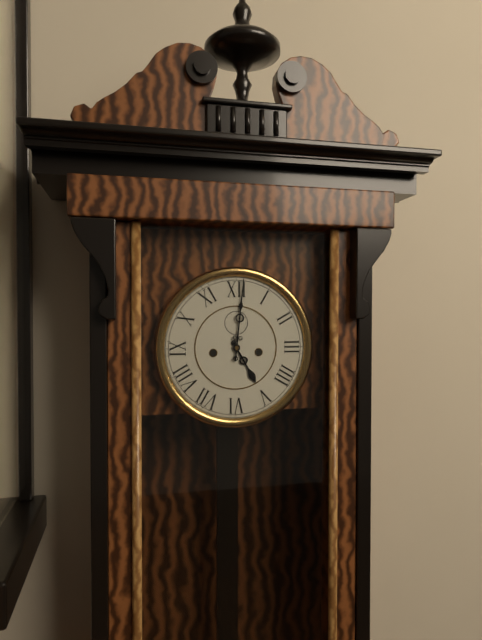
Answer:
5h01
